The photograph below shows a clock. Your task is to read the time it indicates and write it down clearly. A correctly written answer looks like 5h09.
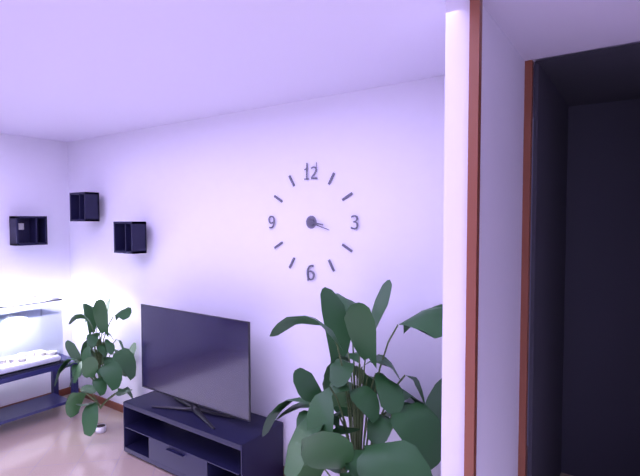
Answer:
3h18
